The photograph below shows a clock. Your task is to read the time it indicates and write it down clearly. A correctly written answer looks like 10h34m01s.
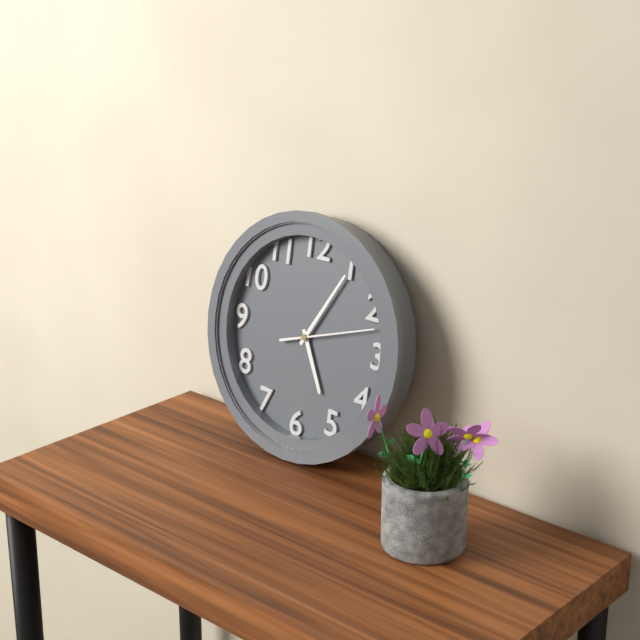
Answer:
5h05m12s
